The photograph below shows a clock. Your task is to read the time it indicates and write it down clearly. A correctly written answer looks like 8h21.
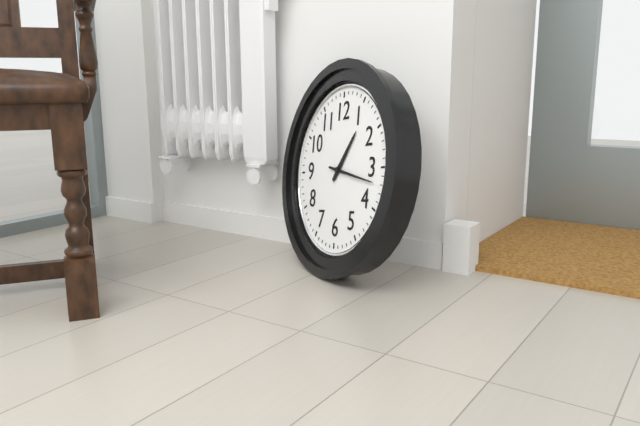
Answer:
1h17
